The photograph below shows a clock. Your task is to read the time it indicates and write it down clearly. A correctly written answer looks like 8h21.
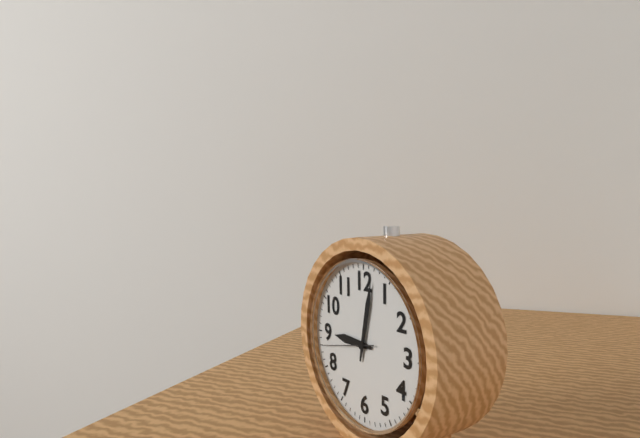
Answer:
9h02
